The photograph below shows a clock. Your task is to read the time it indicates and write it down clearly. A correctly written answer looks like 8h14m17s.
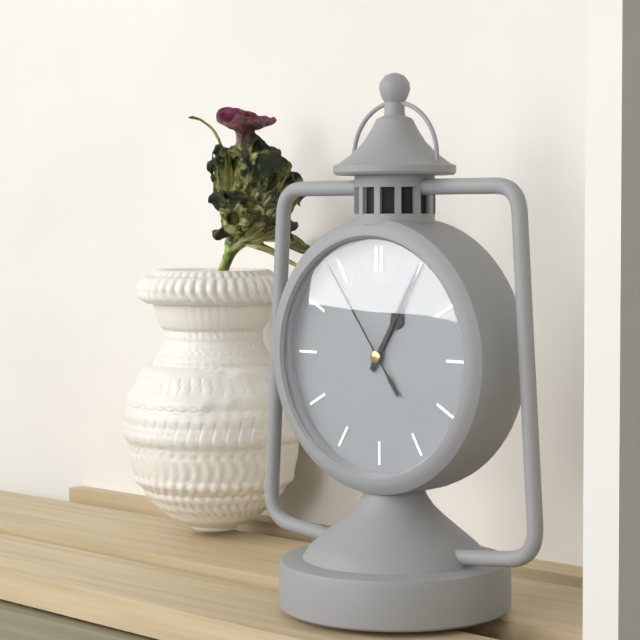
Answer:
1h05m54s
